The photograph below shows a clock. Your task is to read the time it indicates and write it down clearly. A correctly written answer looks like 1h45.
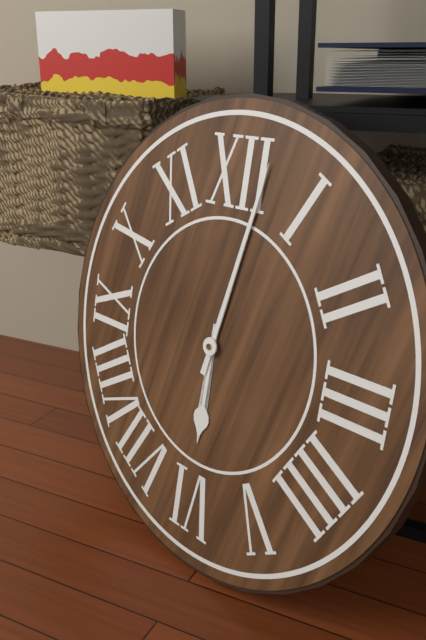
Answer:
6h02
